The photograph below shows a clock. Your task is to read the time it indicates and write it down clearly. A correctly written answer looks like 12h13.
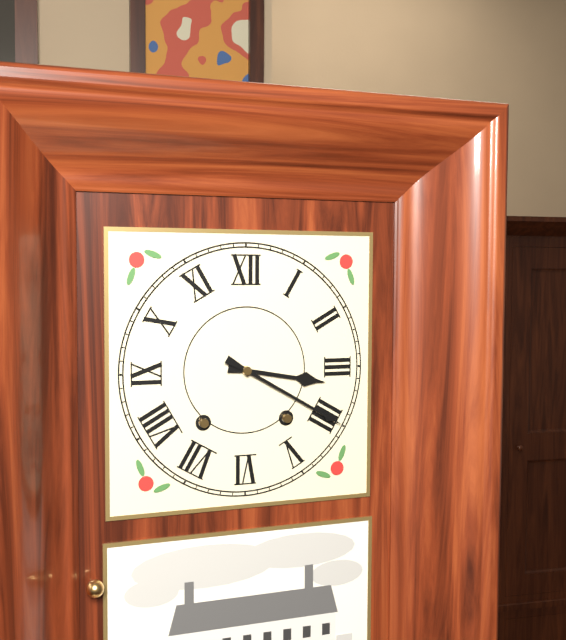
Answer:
3h20
